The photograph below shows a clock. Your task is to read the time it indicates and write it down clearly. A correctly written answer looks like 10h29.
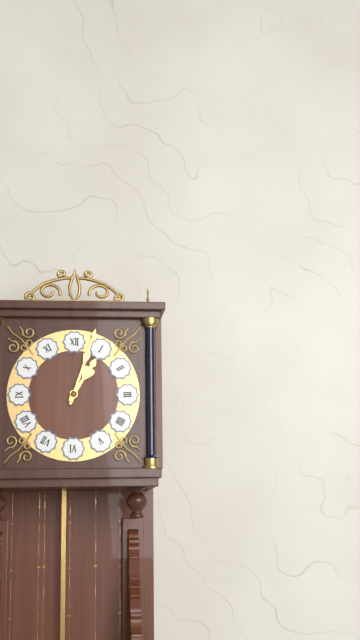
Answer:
1h03
